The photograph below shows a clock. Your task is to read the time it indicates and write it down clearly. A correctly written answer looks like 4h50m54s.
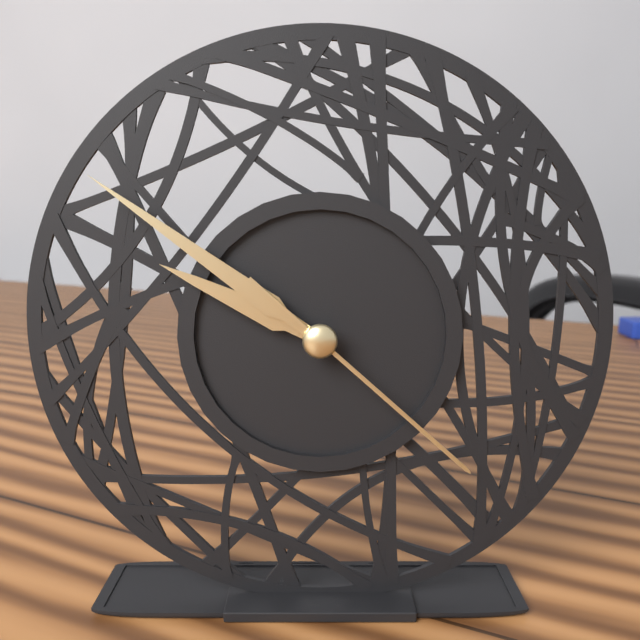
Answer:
9h51m22s
